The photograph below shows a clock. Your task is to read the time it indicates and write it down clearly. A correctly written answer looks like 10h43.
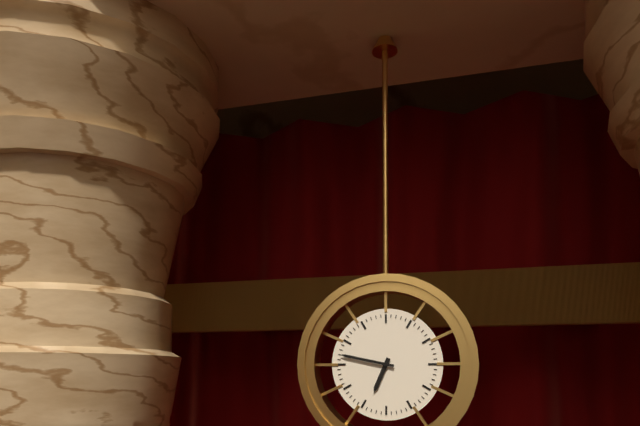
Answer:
6h47
